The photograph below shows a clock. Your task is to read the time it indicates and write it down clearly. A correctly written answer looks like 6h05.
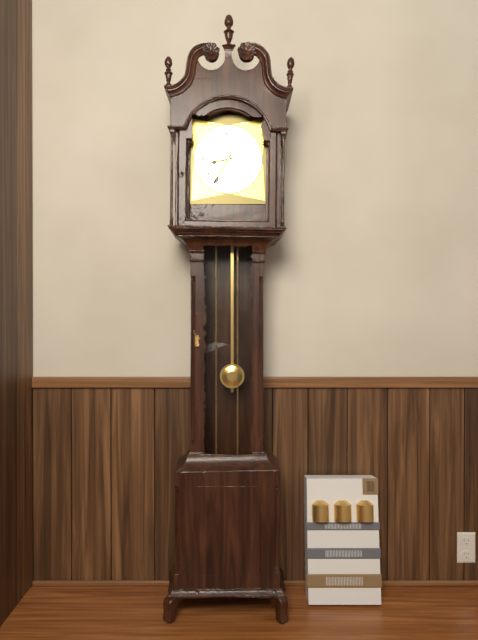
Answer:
8h35
